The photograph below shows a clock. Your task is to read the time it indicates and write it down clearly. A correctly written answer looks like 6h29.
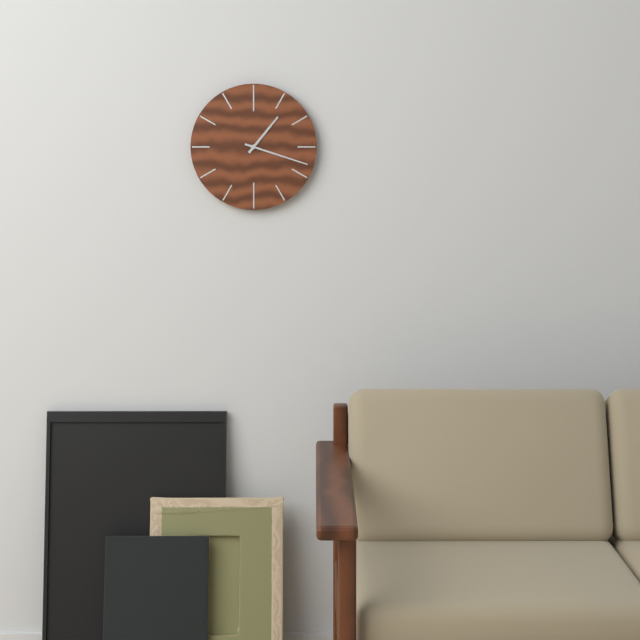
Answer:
1h18
